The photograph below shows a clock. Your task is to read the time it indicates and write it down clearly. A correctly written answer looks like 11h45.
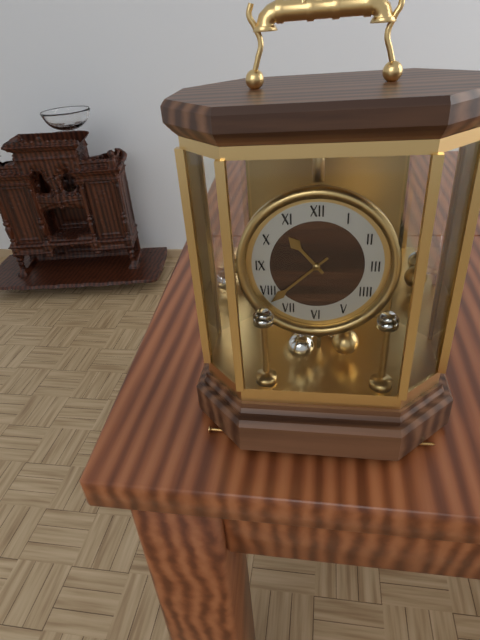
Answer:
10h38
